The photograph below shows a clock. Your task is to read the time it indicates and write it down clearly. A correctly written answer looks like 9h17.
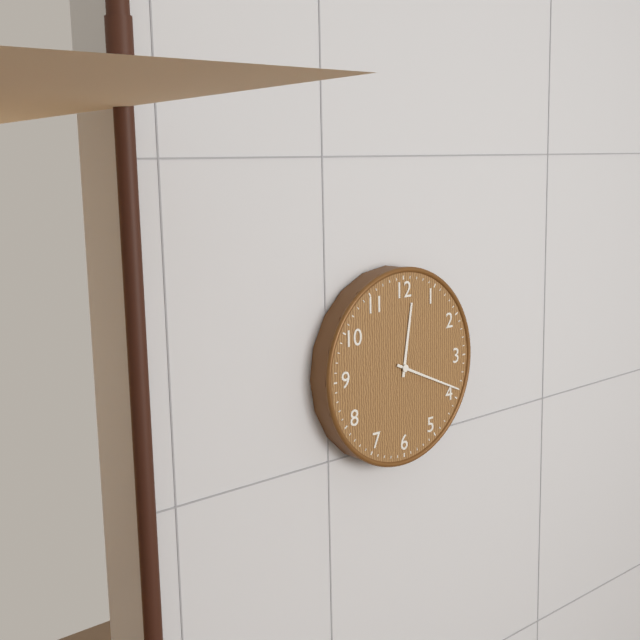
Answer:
12h19
